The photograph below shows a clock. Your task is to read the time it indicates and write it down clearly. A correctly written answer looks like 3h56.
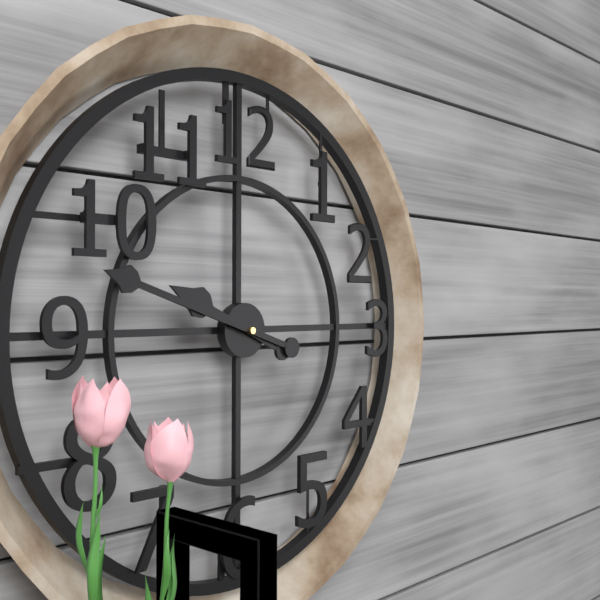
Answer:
9h48
